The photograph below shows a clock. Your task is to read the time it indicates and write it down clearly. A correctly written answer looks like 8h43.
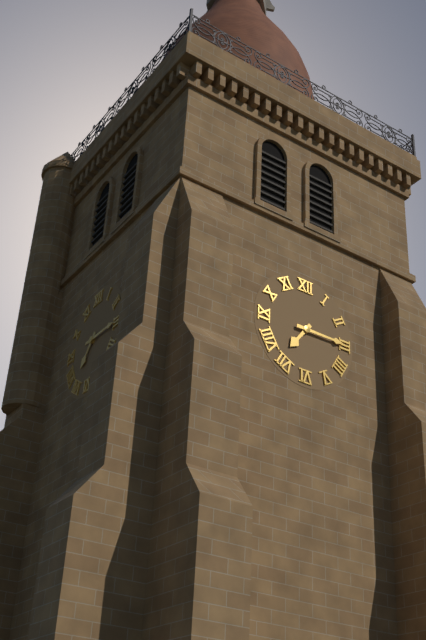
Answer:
7h15
